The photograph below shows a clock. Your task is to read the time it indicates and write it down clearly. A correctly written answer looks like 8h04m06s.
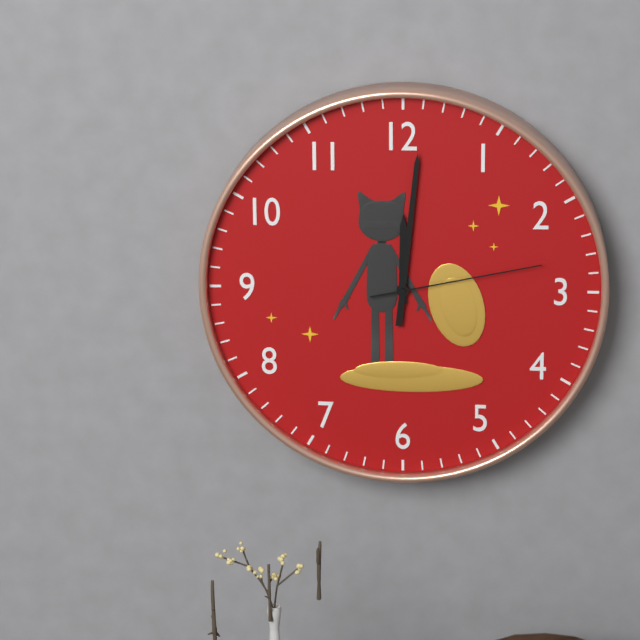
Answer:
12h01m13s
